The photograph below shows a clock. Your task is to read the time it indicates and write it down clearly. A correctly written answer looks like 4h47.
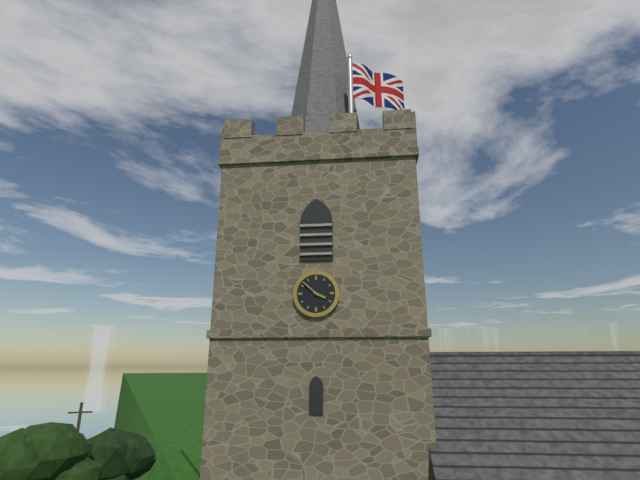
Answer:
3h52
